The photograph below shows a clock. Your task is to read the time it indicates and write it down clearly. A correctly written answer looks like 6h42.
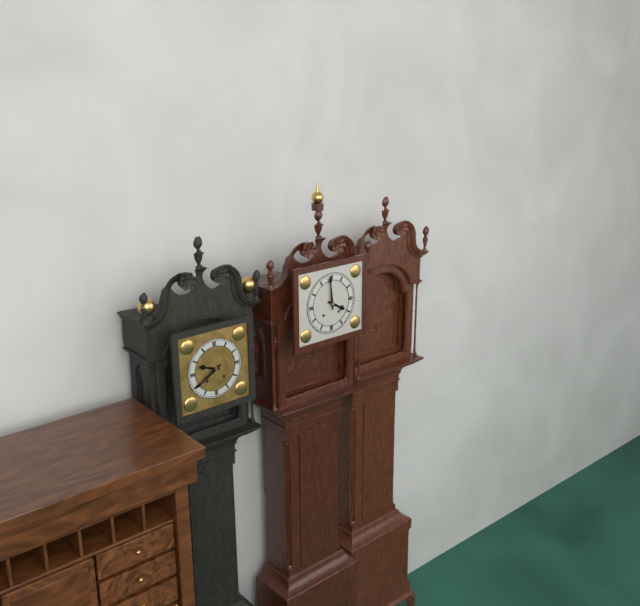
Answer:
3h59
